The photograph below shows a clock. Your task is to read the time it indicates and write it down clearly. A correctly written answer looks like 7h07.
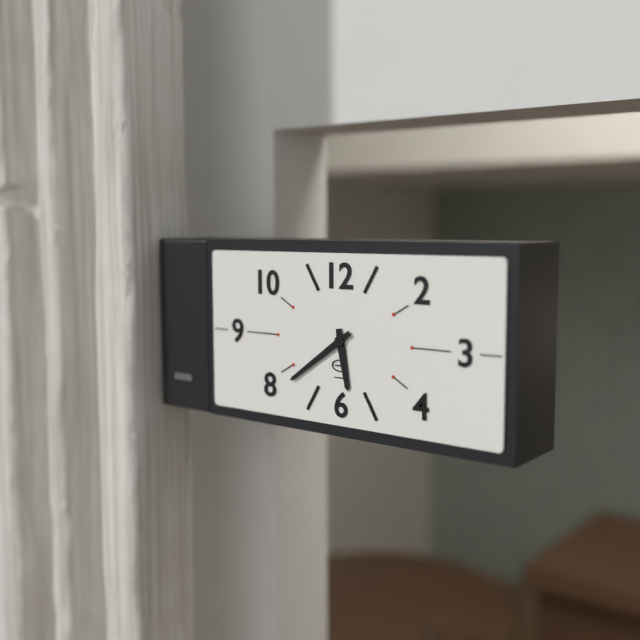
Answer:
5h39
